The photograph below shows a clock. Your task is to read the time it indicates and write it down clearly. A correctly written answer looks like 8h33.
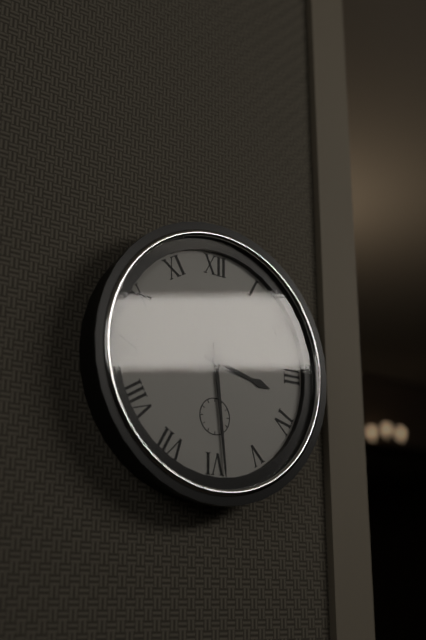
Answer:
3h29
